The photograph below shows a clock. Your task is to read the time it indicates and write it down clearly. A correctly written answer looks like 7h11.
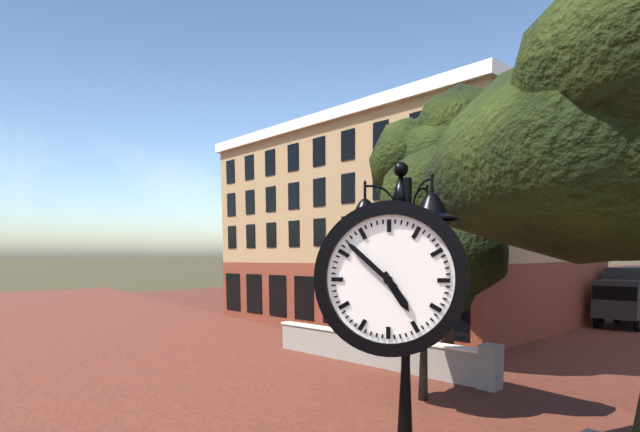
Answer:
4h52
